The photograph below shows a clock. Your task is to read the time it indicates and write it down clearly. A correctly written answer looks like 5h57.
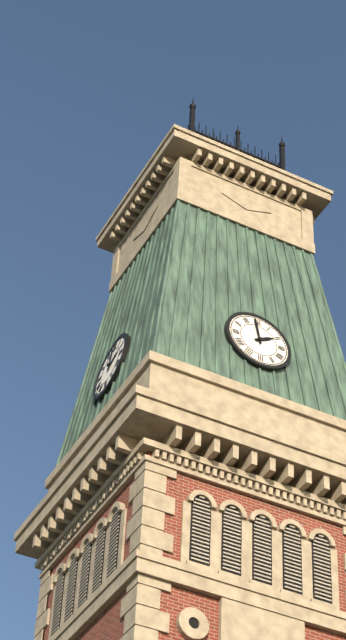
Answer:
1h59
